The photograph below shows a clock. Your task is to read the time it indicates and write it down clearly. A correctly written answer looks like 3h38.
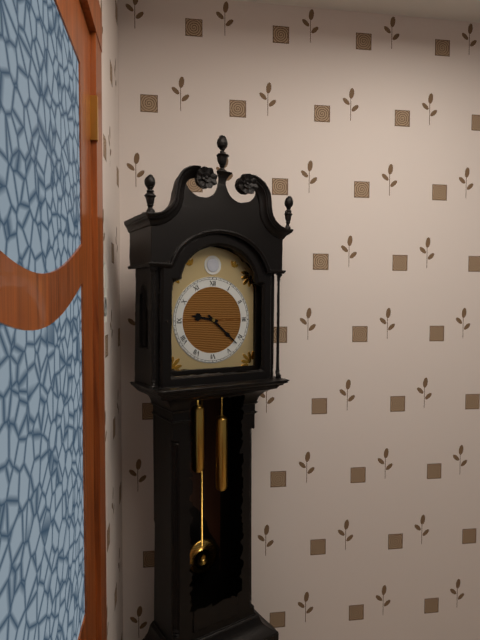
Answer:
9h22
